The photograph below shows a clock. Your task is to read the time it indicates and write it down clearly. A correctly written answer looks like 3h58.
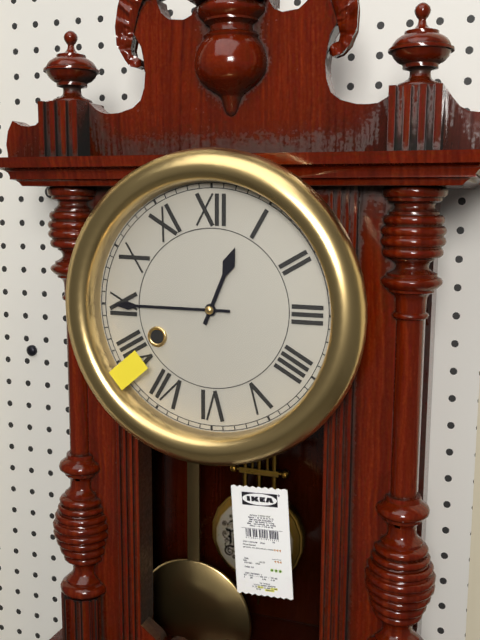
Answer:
12h45
